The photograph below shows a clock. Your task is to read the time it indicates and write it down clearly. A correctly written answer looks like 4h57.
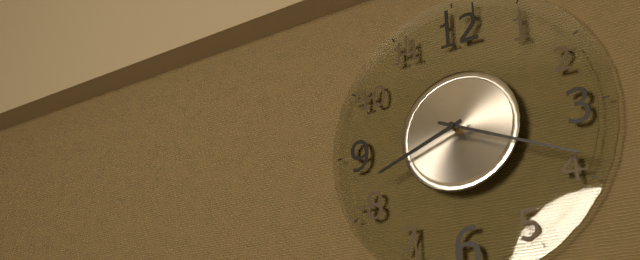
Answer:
8h19
